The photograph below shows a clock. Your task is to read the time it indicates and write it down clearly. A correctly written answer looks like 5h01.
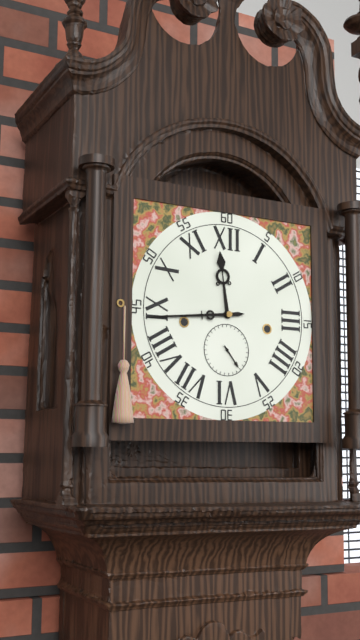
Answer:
11h44
